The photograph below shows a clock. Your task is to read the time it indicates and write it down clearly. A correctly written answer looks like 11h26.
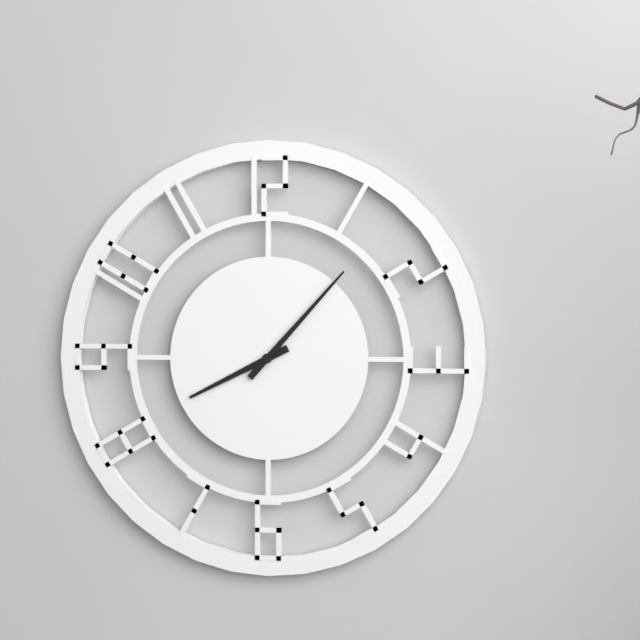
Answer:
8h07
